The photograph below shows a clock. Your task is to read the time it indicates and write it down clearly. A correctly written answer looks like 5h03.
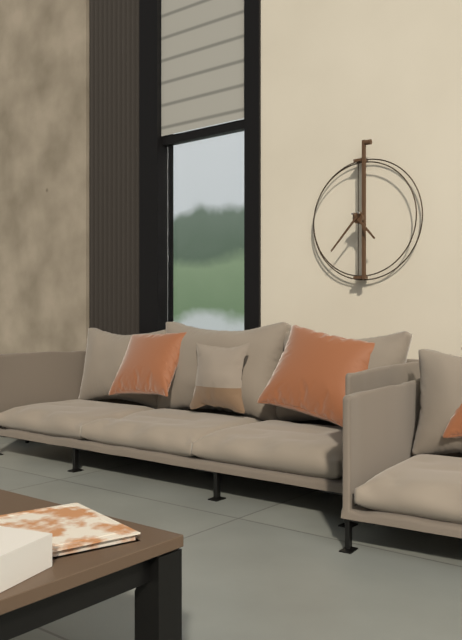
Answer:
4h37
